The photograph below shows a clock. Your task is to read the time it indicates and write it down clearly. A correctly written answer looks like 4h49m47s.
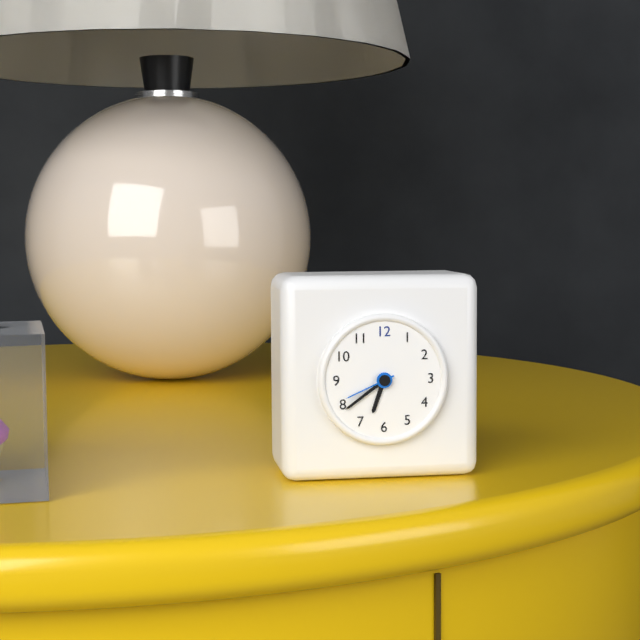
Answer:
6h39m41s
